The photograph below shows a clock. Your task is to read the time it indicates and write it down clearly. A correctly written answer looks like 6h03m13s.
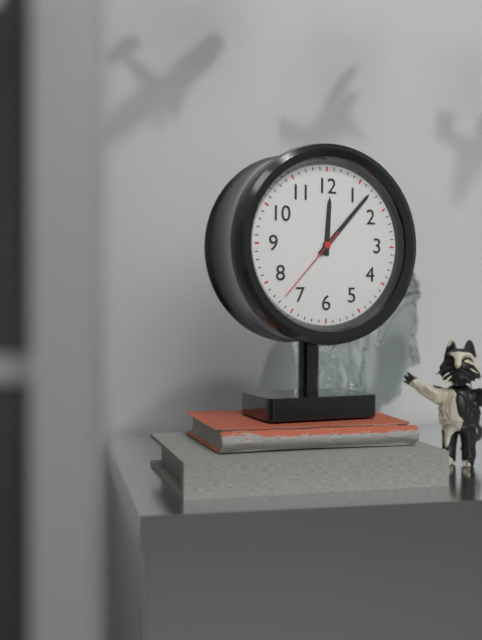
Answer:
12h07m37s
